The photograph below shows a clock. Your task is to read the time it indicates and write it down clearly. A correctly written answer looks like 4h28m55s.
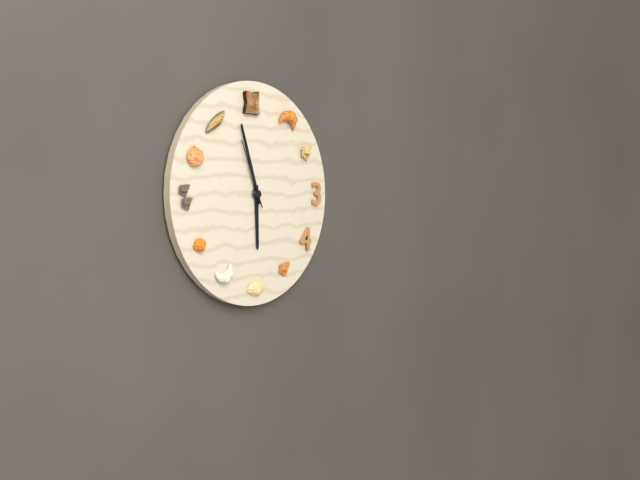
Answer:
5h57m56s
